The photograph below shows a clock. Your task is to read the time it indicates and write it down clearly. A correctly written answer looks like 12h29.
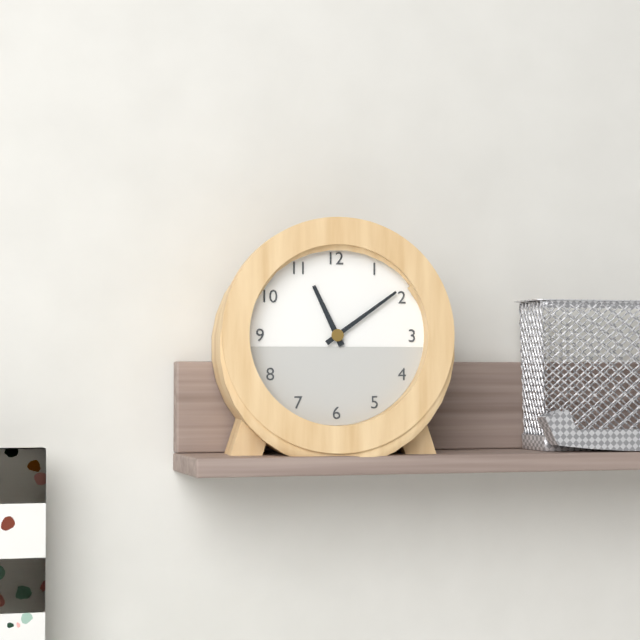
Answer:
11h09
